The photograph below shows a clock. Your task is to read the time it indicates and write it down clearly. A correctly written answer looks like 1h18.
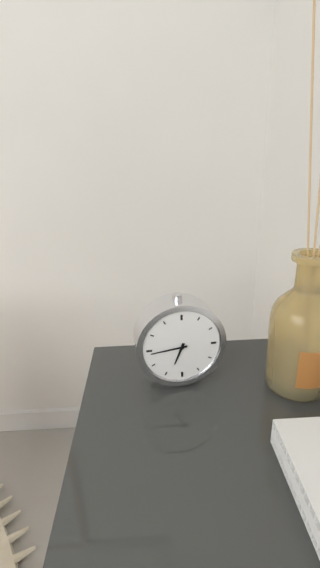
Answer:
6h44
